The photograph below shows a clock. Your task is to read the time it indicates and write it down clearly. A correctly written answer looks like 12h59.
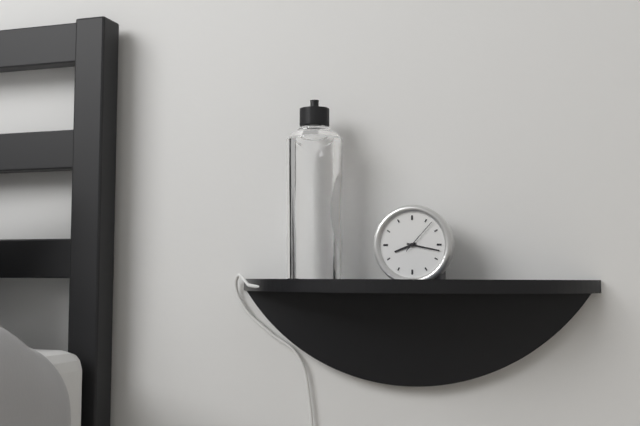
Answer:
8h17
